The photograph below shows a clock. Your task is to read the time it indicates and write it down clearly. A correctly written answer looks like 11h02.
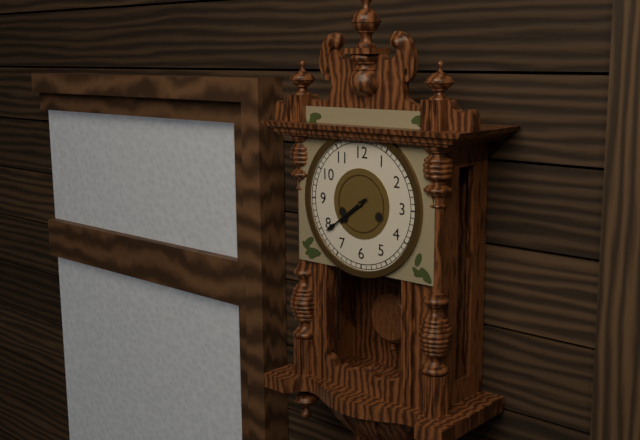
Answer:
7h39
